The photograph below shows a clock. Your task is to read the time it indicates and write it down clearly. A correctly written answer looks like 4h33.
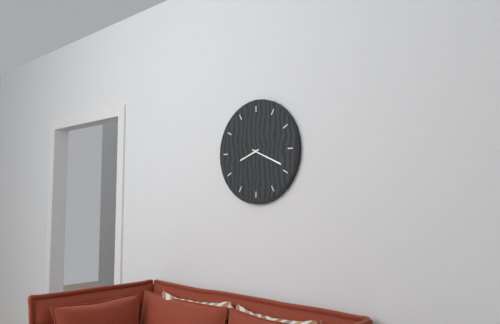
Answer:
8h19
